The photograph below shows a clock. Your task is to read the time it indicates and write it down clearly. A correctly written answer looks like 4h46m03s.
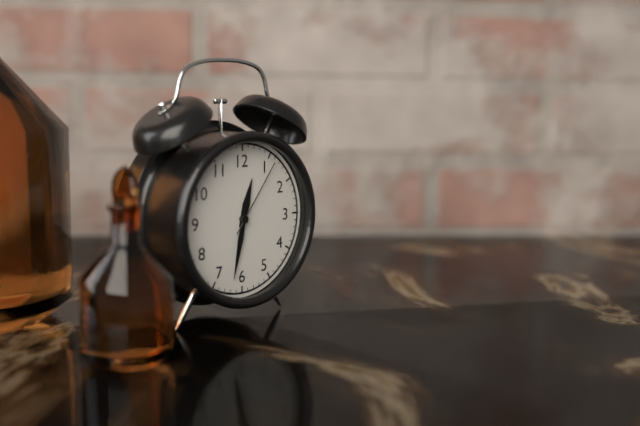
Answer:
12h32m06s
